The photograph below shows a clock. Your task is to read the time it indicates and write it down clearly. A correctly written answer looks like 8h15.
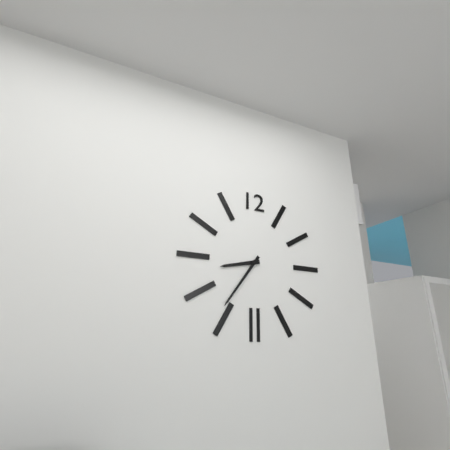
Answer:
8h36
